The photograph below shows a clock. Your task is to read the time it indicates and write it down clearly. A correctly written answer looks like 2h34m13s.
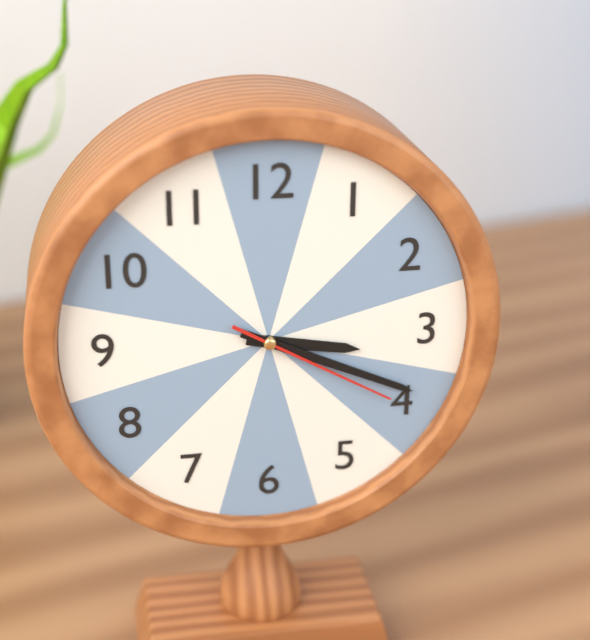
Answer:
3h19m20s
